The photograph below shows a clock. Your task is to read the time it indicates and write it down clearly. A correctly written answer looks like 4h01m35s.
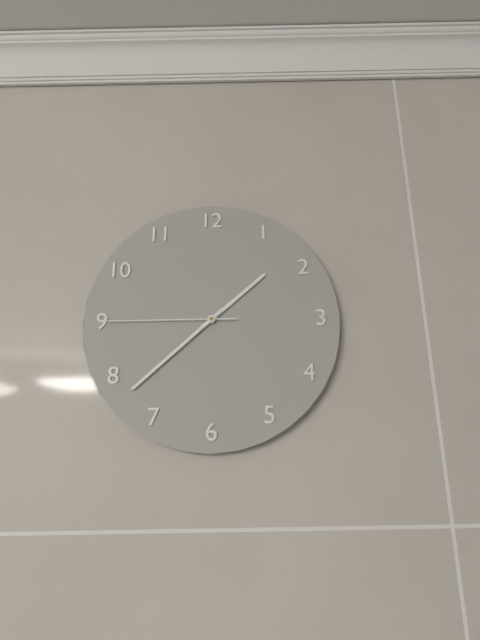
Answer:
1h38m45s
